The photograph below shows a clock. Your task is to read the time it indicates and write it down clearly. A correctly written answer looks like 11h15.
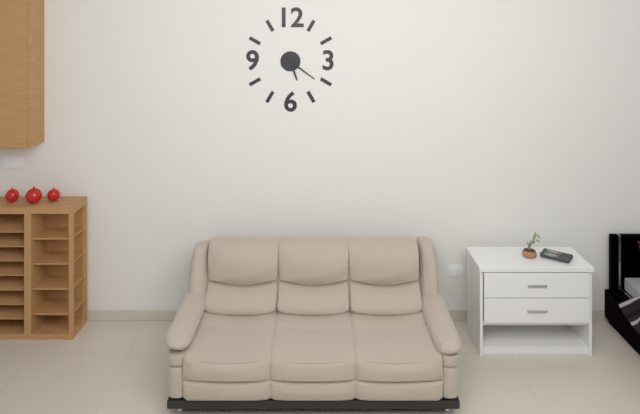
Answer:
5h21
